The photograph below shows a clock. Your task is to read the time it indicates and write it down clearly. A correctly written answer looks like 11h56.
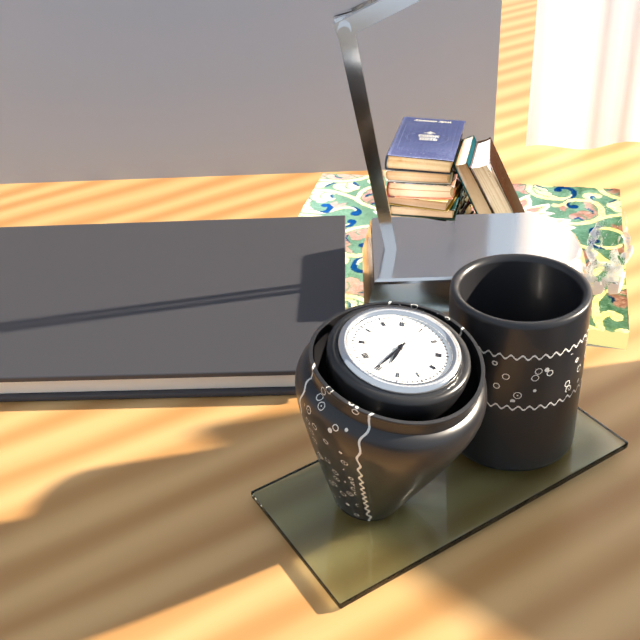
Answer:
6h35
